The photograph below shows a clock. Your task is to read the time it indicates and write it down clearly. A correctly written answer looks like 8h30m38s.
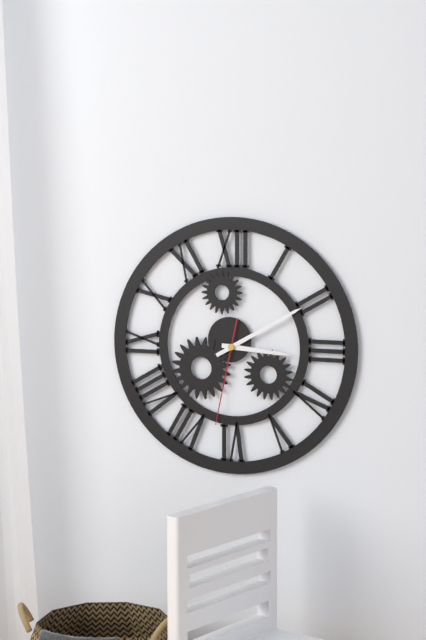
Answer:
3h10m32s
